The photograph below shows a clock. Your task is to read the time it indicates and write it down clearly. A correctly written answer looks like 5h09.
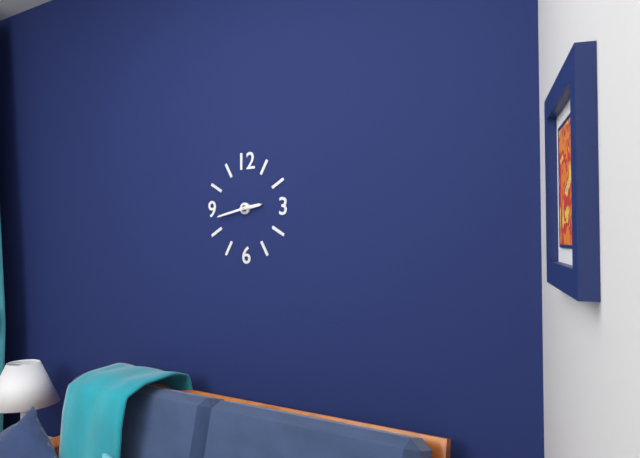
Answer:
2h43
